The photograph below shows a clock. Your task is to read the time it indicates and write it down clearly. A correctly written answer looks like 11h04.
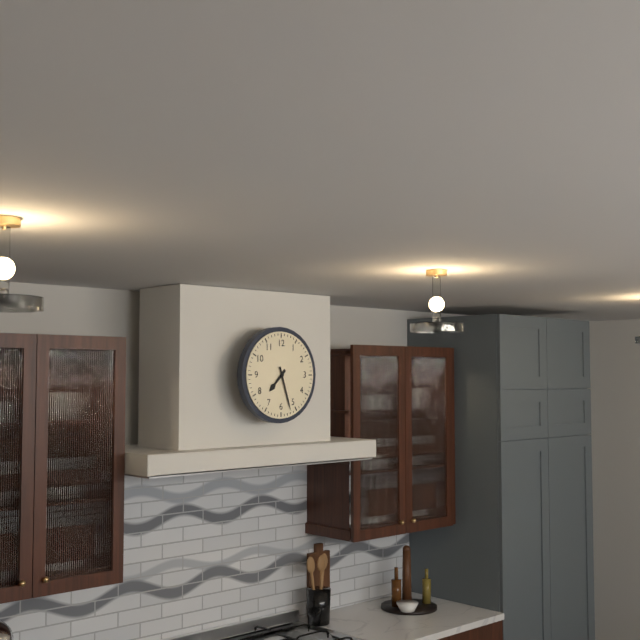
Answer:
7h27
